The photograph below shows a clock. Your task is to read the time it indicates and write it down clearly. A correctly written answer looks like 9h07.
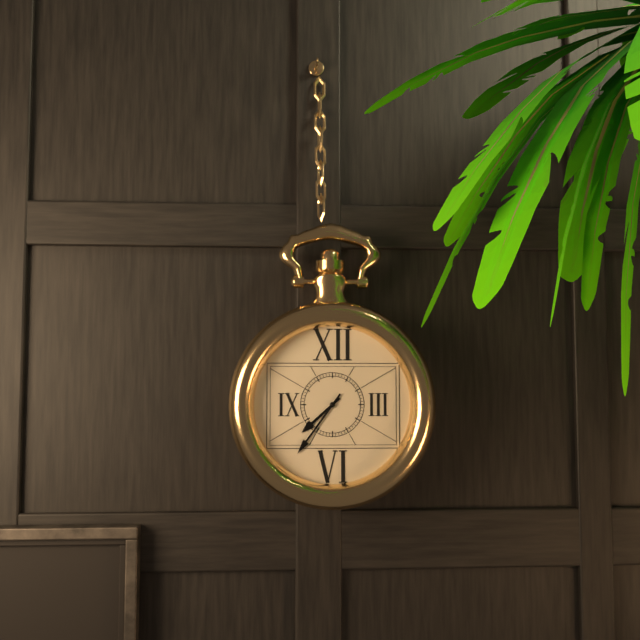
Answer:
7h36
